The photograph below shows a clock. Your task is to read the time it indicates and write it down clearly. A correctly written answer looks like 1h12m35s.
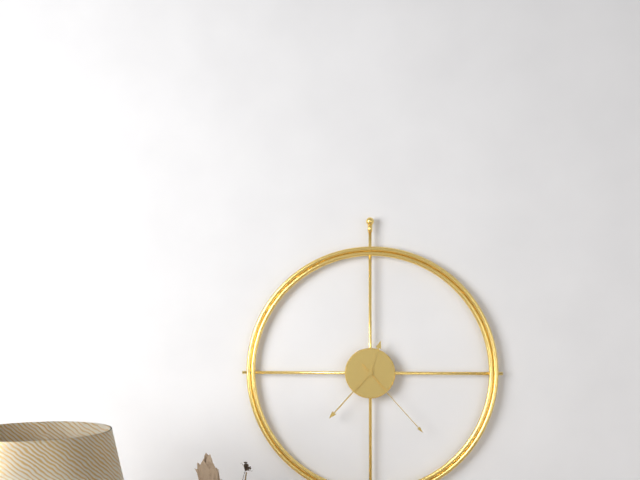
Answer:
12h37m23s
